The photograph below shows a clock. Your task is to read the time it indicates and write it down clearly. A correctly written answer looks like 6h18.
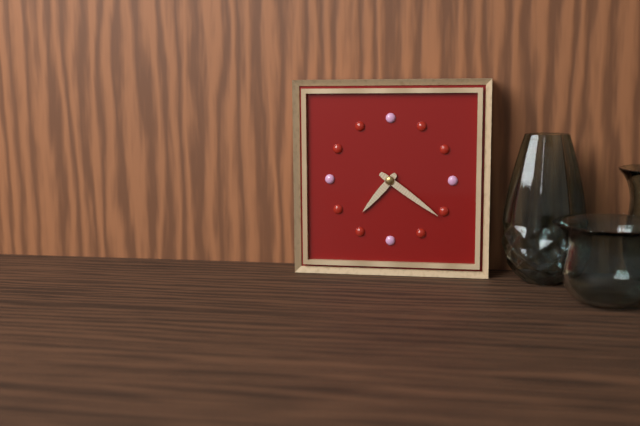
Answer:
7h21
